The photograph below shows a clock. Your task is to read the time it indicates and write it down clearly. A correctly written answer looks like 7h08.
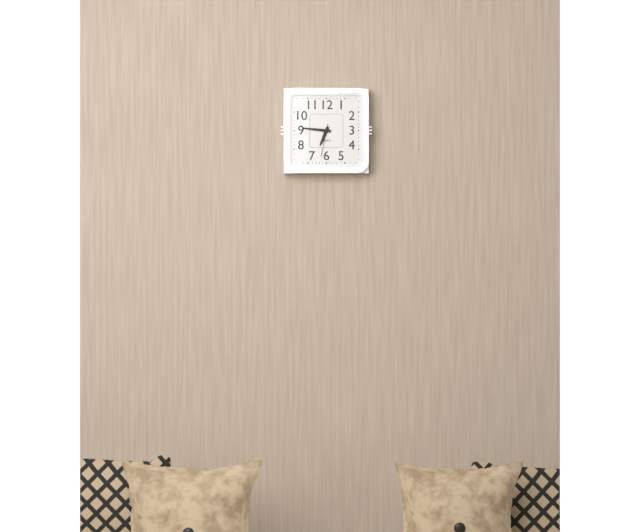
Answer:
6h46
